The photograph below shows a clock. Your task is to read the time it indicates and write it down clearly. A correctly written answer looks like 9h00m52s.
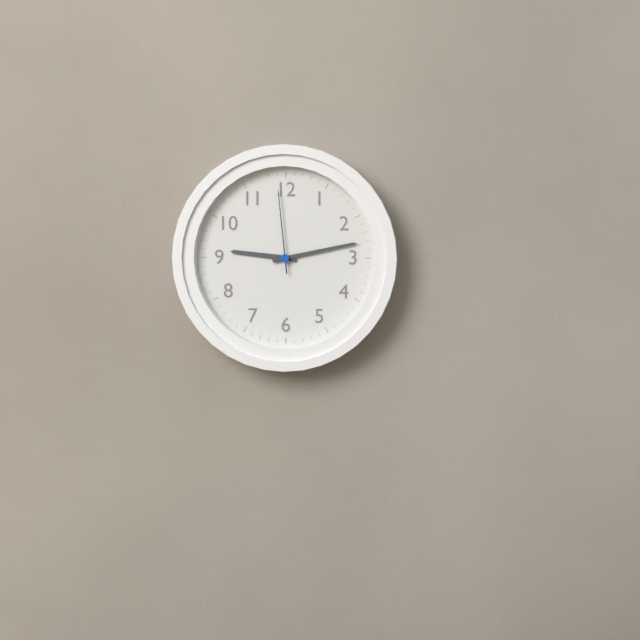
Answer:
9h13m59s
